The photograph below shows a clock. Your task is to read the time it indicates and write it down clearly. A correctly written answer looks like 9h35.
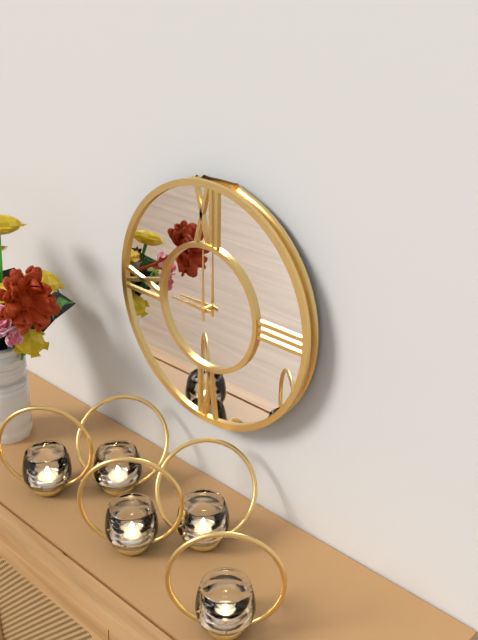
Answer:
9h00
